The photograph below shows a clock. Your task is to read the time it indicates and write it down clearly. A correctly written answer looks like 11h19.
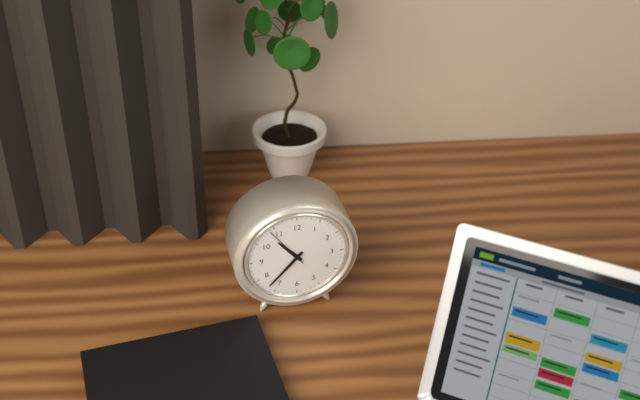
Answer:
10h37
